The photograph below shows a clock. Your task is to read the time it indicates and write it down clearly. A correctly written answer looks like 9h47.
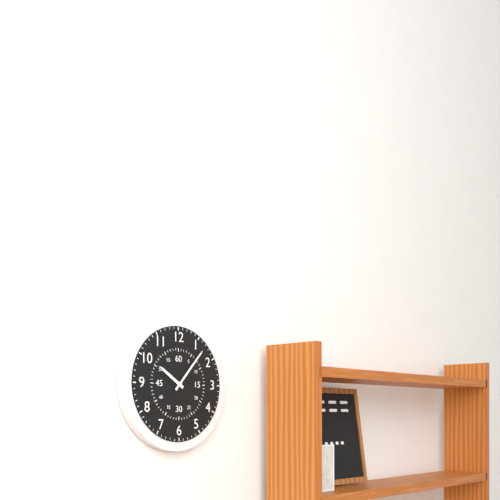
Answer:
10h07
